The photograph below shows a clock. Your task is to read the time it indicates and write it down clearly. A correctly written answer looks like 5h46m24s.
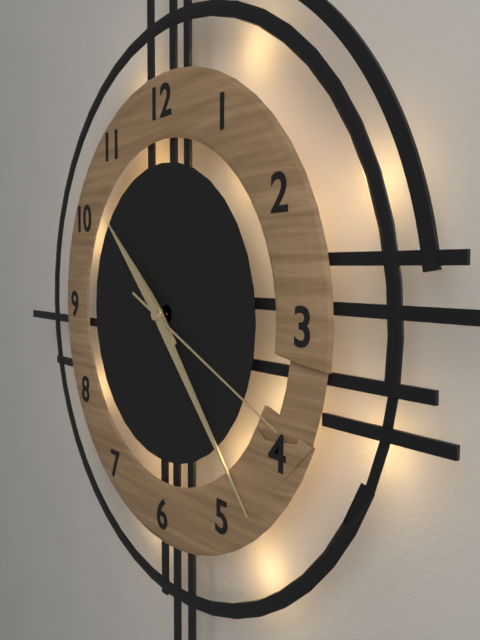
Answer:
10h23m19s
